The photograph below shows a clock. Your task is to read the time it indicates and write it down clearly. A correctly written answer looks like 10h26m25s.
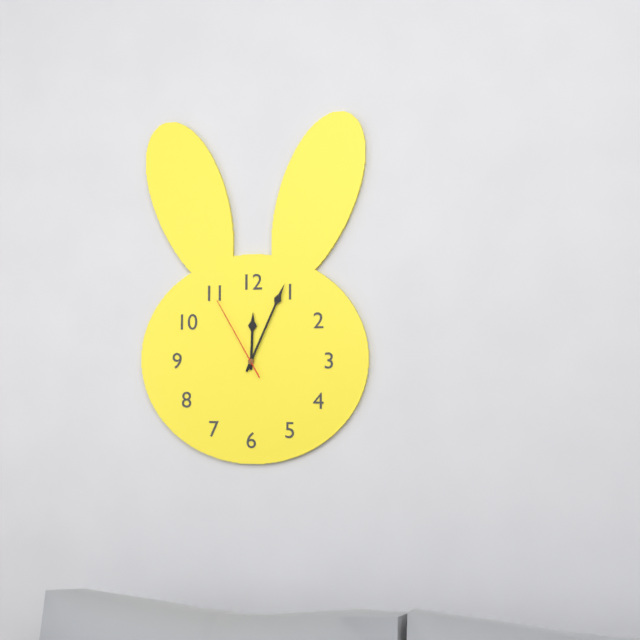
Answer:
12h04m55s
